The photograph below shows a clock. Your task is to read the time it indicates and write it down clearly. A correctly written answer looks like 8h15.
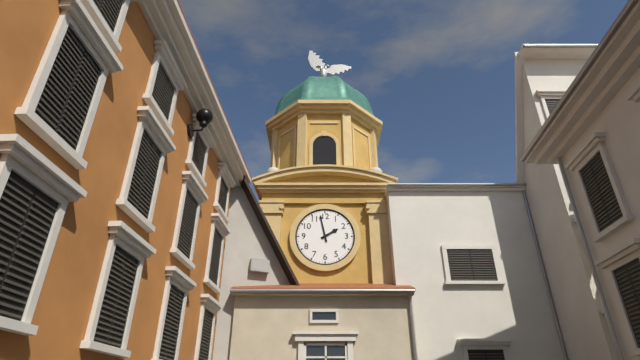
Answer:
1h58
